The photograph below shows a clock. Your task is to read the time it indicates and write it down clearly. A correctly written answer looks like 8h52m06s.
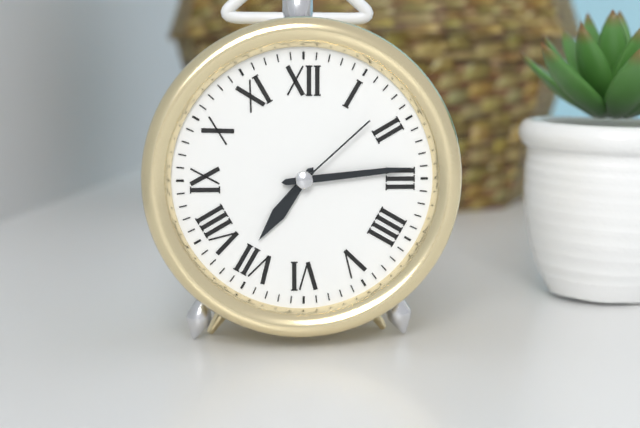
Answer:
7h14m08s
